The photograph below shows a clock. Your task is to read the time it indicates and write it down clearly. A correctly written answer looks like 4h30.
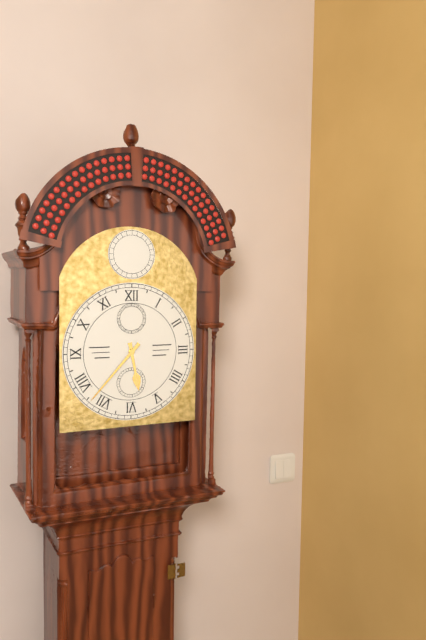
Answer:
5h37
